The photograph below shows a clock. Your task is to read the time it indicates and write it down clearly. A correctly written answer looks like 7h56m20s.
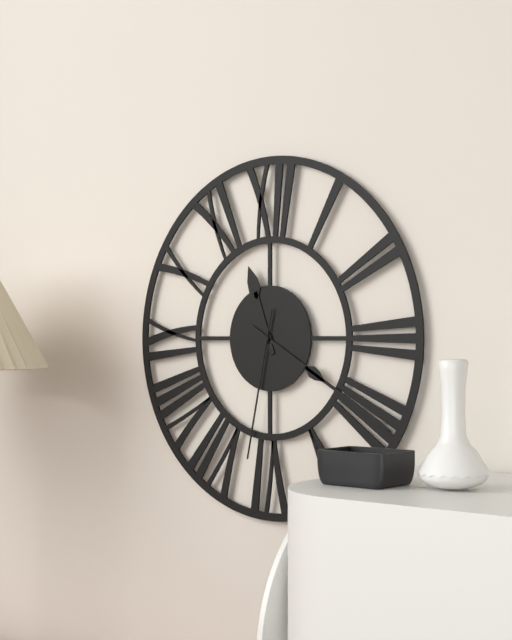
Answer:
11h20m32s
